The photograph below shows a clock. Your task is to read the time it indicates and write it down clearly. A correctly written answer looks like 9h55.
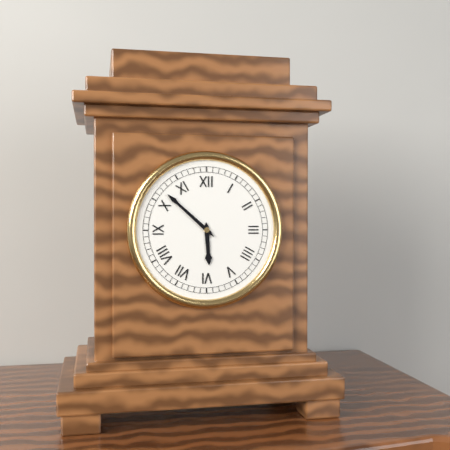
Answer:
5h52
